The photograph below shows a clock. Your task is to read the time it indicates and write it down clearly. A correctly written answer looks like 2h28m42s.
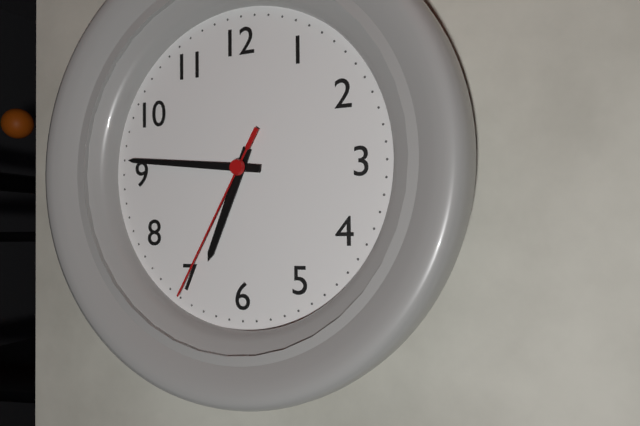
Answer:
6h46m35s
